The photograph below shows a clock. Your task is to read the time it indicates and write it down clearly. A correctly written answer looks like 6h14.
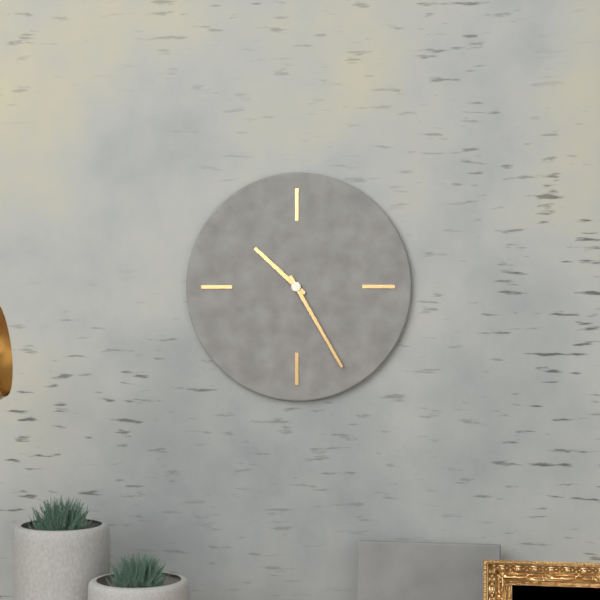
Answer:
10h25
